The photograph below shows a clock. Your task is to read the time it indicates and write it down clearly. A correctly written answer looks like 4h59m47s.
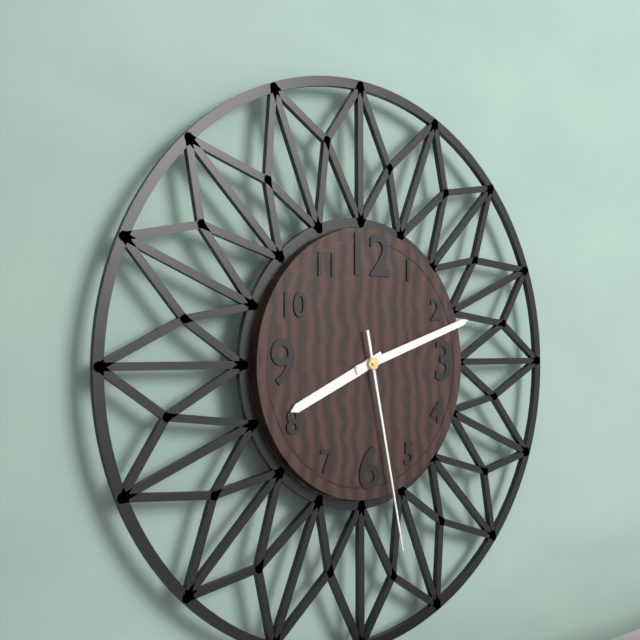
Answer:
8h12m28s
